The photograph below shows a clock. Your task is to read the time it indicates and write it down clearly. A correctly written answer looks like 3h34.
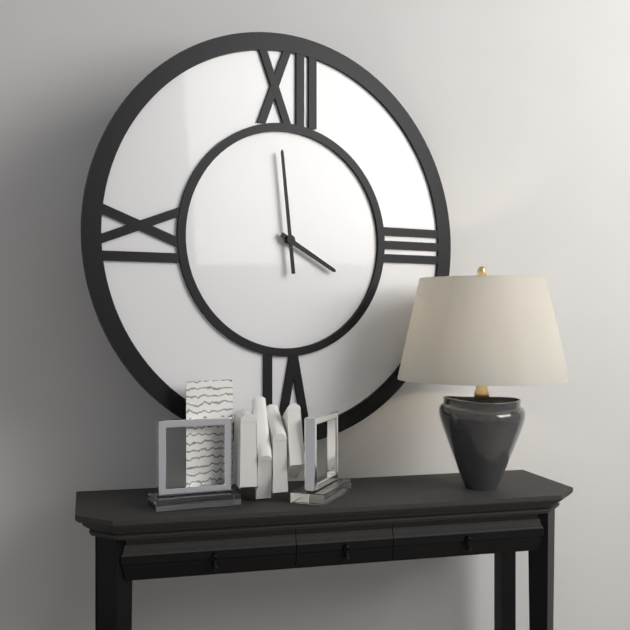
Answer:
3h59
